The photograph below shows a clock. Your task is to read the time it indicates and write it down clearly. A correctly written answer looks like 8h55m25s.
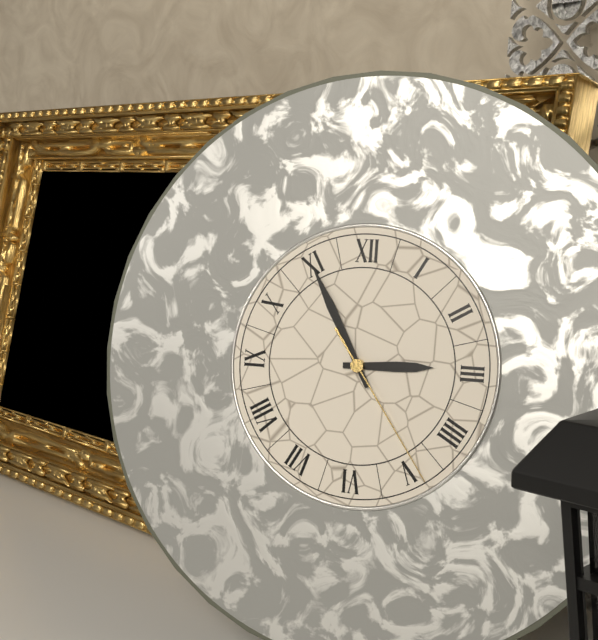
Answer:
2h55m24s
